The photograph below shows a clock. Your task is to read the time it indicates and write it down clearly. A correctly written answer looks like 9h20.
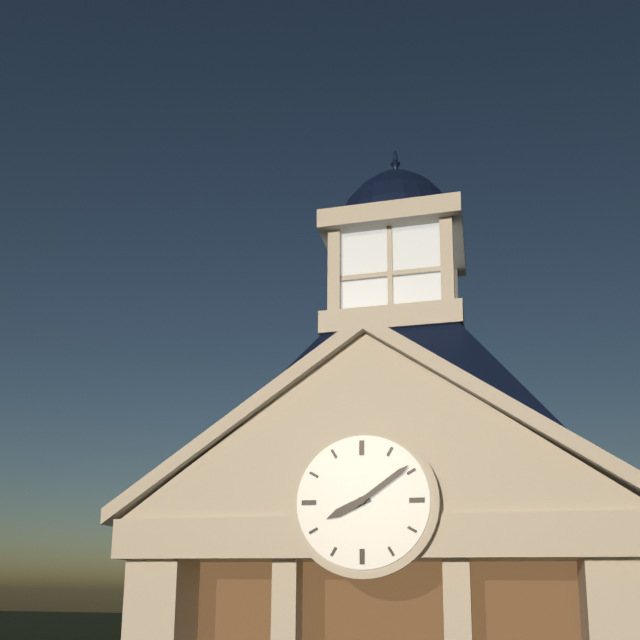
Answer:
8h09
